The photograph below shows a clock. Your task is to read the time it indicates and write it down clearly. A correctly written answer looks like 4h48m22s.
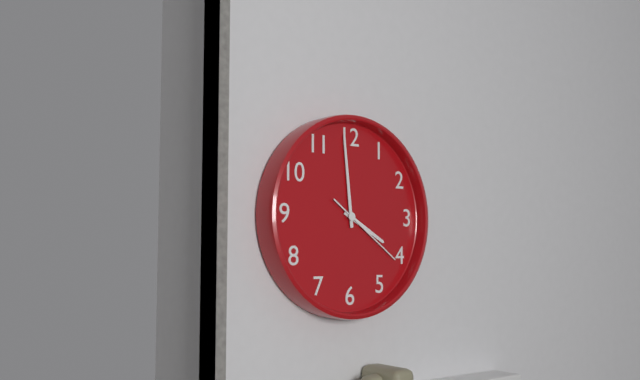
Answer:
3h59m21s
